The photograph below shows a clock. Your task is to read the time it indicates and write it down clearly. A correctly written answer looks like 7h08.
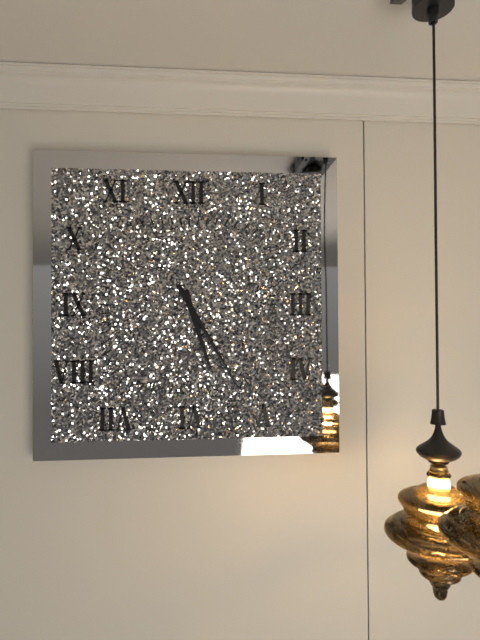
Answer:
5h25
